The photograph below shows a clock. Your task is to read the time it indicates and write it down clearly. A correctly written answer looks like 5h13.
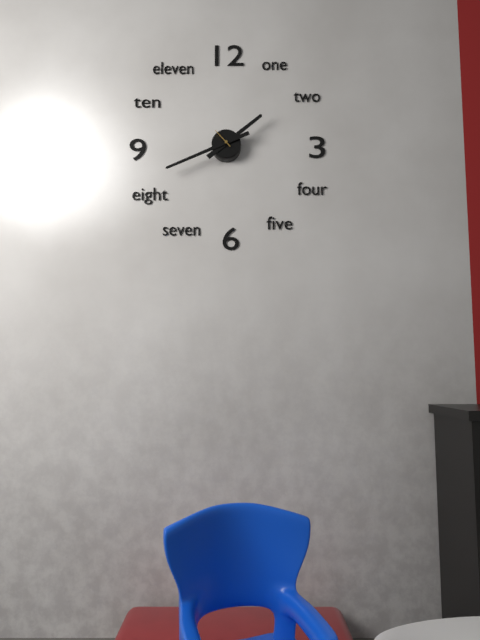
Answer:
1h41
